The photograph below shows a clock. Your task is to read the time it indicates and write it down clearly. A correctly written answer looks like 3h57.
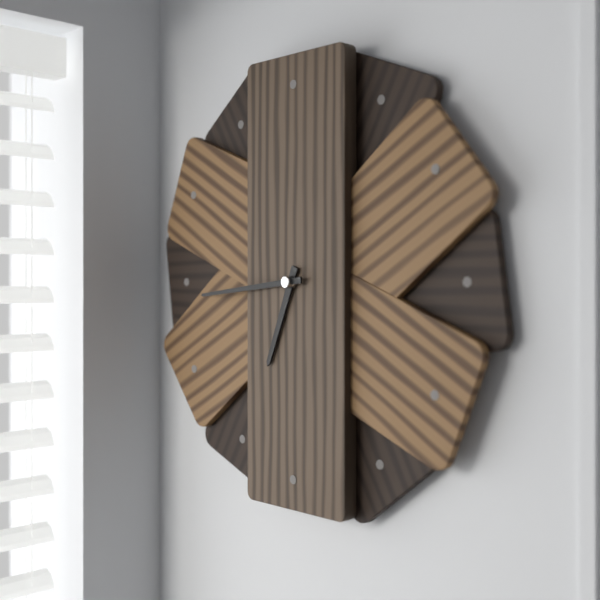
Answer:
6h44
